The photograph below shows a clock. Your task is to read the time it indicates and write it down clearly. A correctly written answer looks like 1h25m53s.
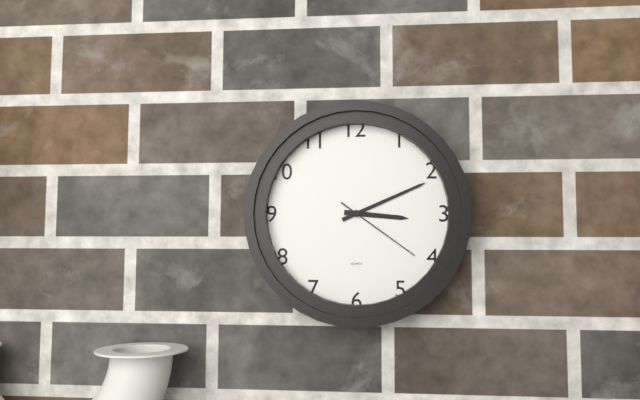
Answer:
3h11m21s
